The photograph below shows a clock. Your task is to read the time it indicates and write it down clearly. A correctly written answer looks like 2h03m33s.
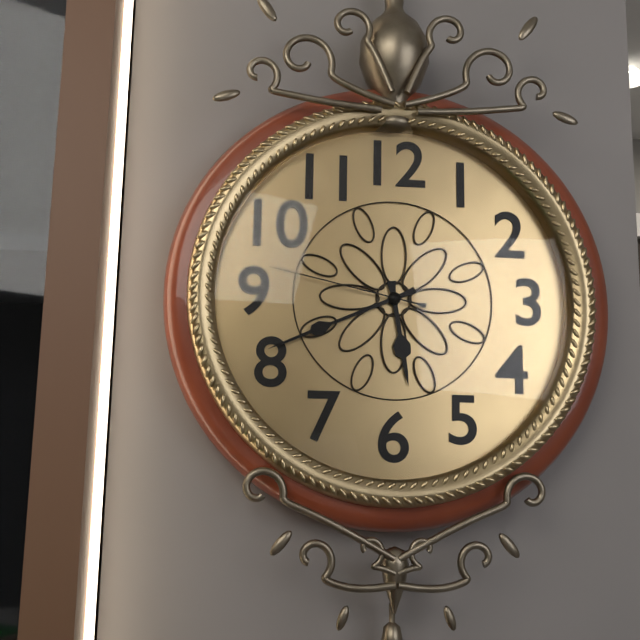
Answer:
5h41m47s
